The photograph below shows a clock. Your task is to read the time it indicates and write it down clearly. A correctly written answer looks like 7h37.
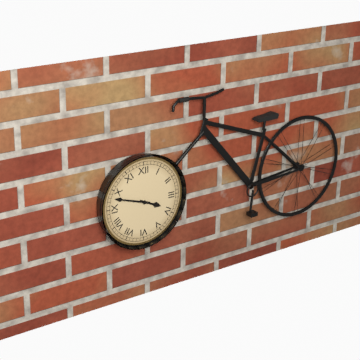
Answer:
3h48
